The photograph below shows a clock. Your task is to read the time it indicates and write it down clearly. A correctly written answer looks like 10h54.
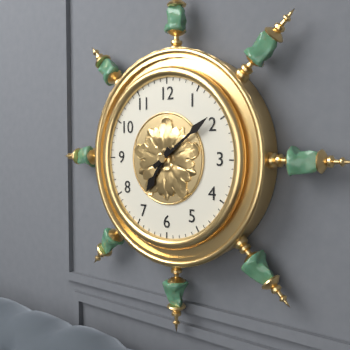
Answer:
7h09
